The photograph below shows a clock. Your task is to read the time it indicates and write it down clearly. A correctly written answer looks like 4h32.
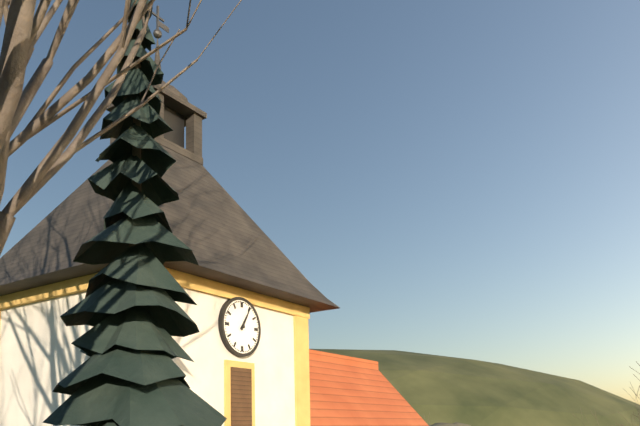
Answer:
1h05
